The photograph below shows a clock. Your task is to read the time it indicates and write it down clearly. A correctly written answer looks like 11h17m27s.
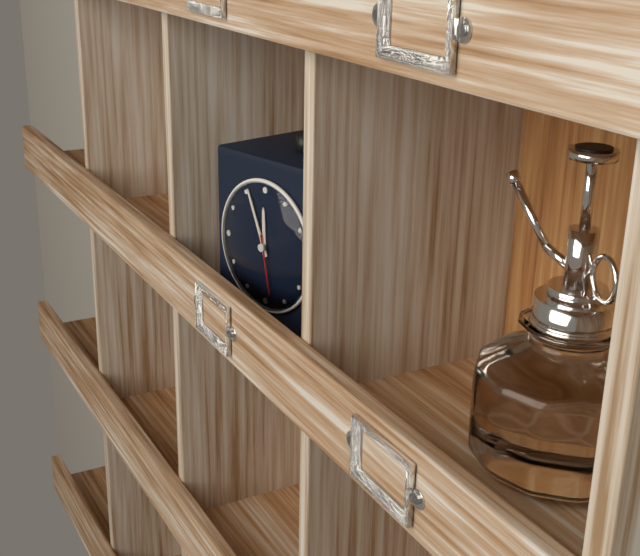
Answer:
11h56m28s
